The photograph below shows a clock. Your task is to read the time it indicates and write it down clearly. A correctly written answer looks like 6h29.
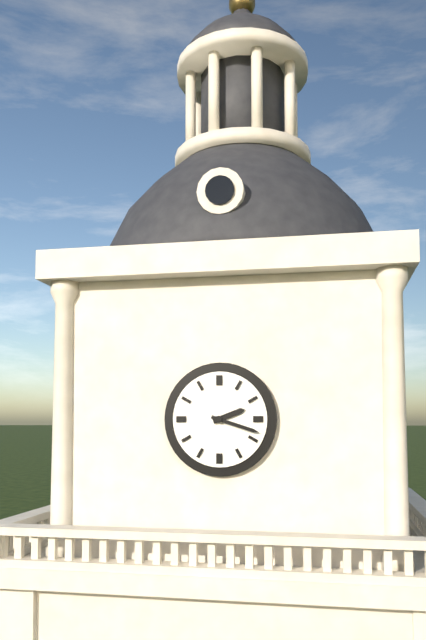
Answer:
2h18
